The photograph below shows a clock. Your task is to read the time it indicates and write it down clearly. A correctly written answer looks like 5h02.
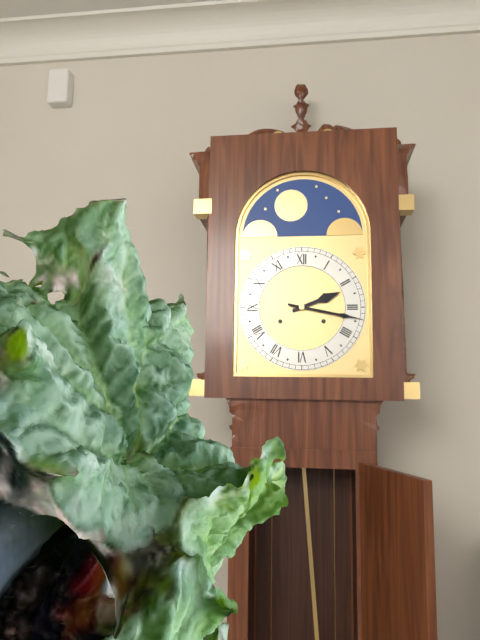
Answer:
2h17
